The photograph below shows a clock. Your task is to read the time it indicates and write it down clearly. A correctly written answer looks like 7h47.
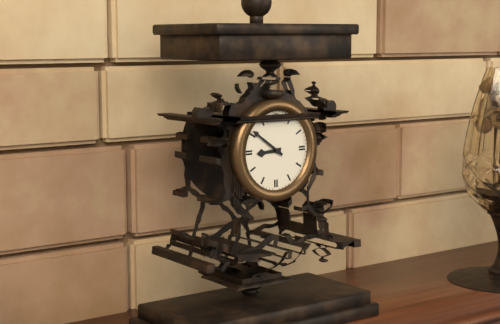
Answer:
8h51
